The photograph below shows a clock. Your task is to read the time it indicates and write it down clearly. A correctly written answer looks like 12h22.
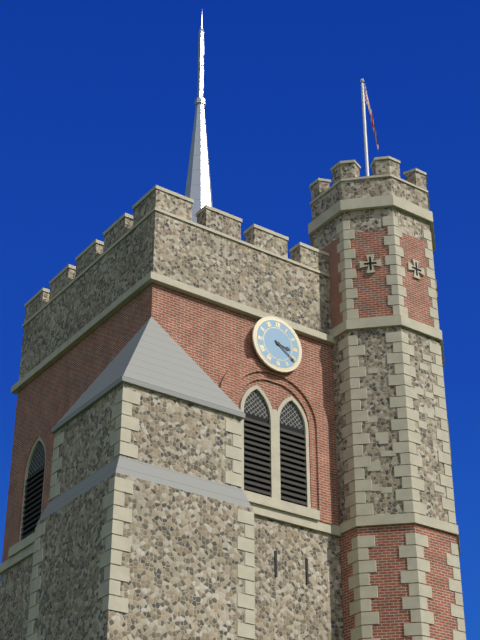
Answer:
3h21
